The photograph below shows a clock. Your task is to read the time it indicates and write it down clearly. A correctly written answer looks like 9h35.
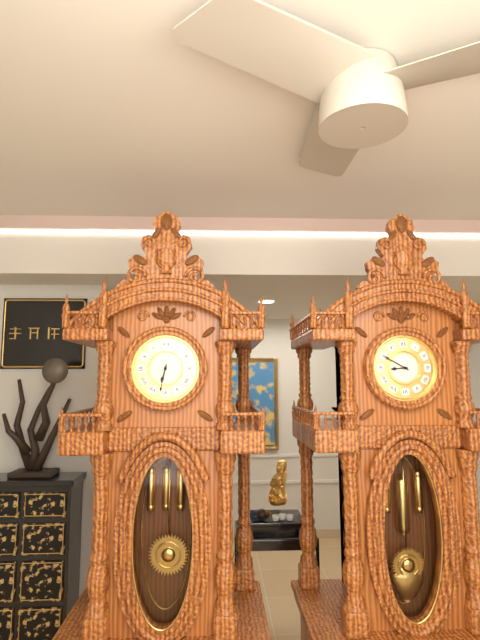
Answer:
6h32
